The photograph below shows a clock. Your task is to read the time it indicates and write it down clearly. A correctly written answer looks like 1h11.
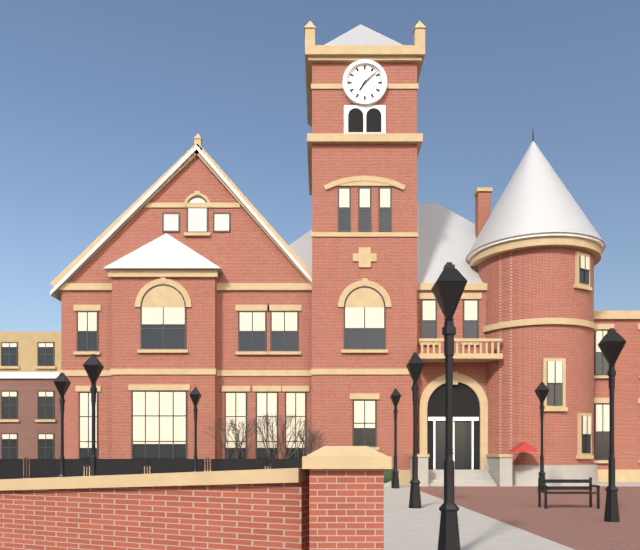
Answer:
7h08
